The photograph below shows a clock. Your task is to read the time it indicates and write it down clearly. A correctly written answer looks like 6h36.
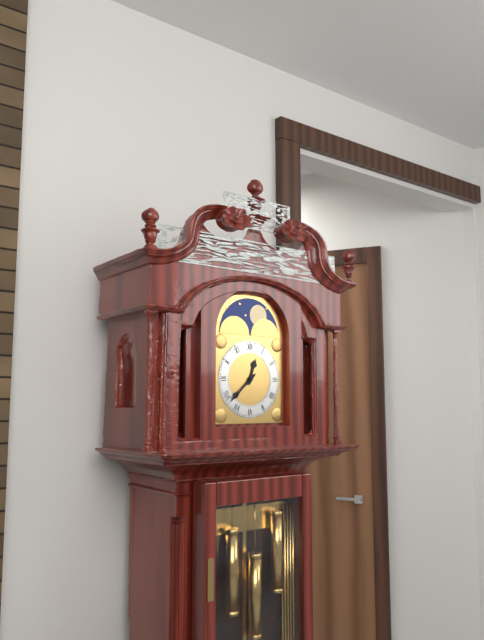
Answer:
12h38
